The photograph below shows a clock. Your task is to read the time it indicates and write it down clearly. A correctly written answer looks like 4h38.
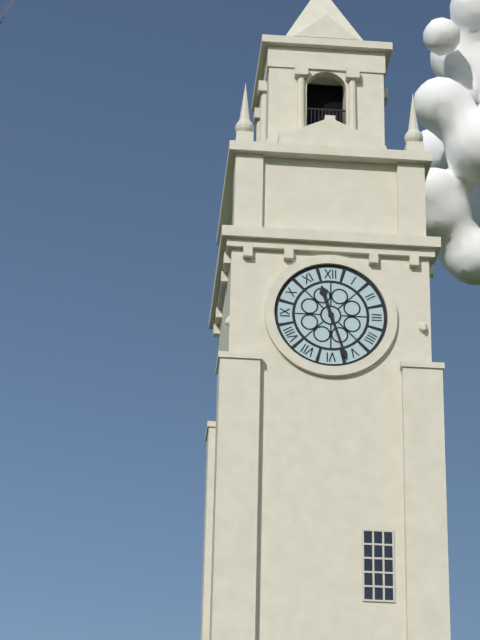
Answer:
11h27
